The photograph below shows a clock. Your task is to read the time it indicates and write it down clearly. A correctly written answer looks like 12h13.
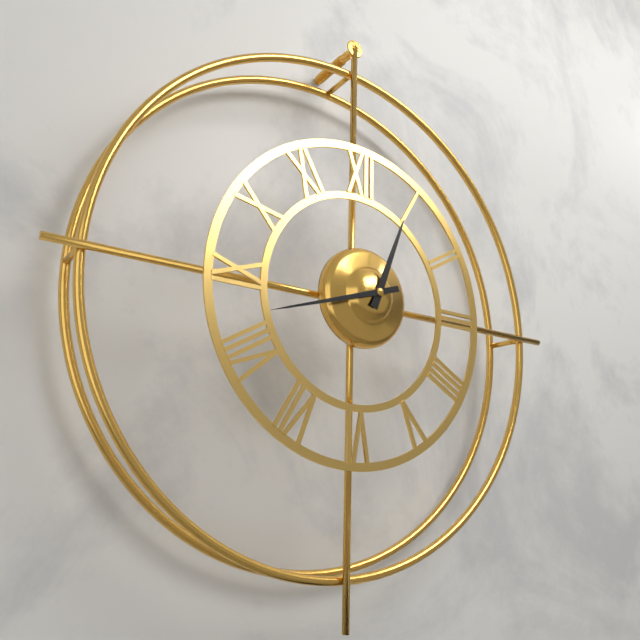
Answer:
12h42
